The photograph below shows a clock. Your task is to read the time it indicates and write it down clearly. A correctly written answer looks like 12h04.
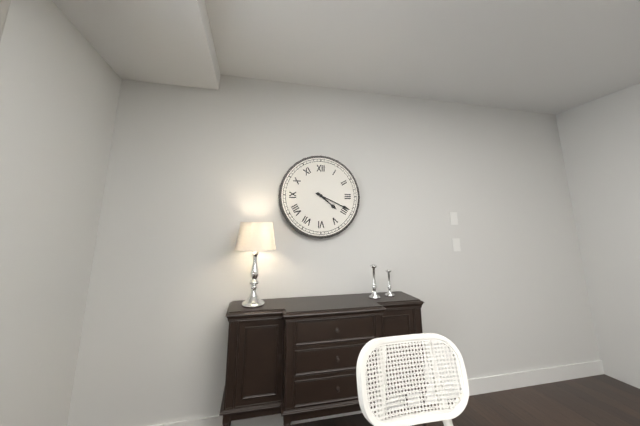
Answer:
4h19
